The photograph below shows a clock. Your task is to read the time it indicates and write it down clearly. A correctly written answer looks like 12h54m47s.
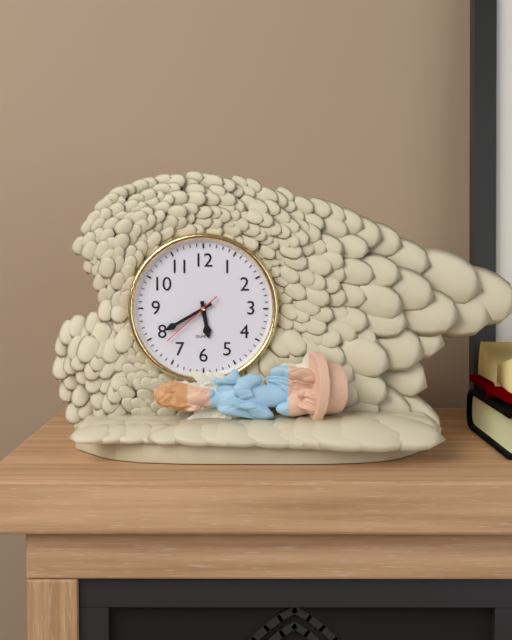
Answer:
5h40m38s
